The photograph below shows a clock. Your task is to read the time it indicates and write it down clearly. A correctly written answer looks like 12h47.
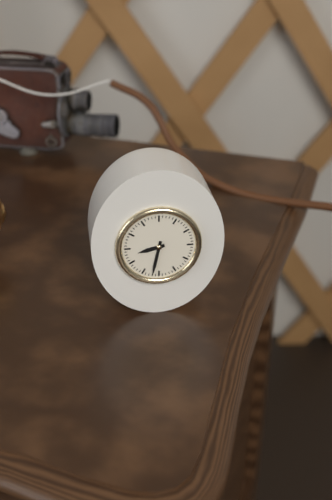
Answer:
8h32
